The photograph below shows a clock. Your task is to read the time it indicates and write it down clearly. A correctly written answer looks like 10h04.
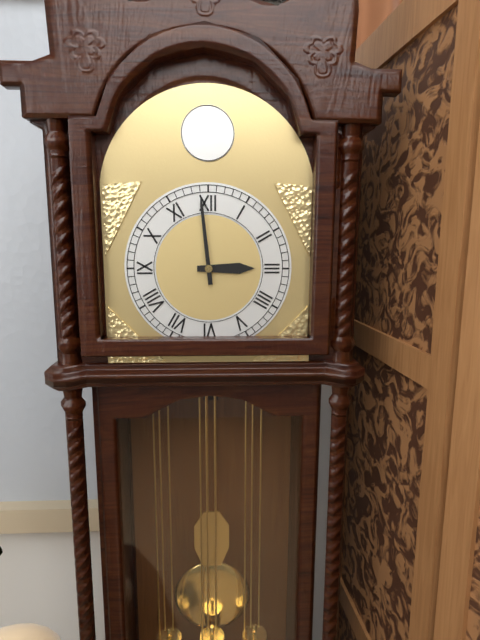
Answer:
2h59
